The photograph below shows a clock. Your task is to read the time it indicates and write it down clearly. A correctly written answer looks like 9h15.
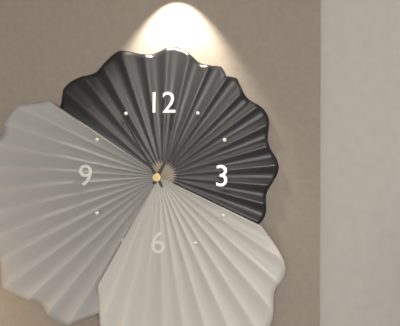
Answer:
12h55
